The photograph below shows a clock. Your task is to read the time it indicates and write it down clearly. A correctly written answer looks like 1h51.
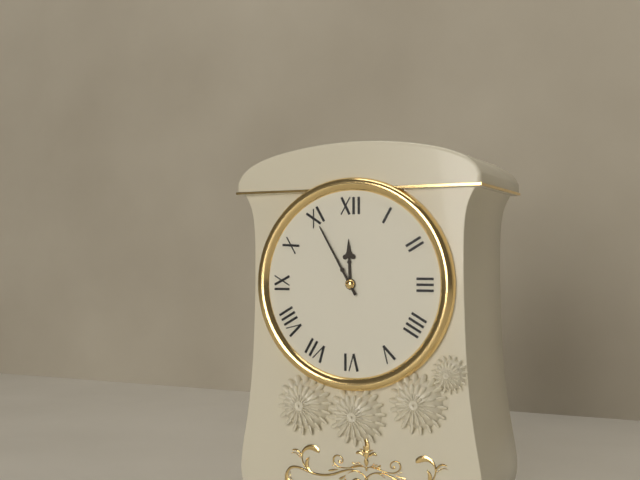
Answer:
11h55
